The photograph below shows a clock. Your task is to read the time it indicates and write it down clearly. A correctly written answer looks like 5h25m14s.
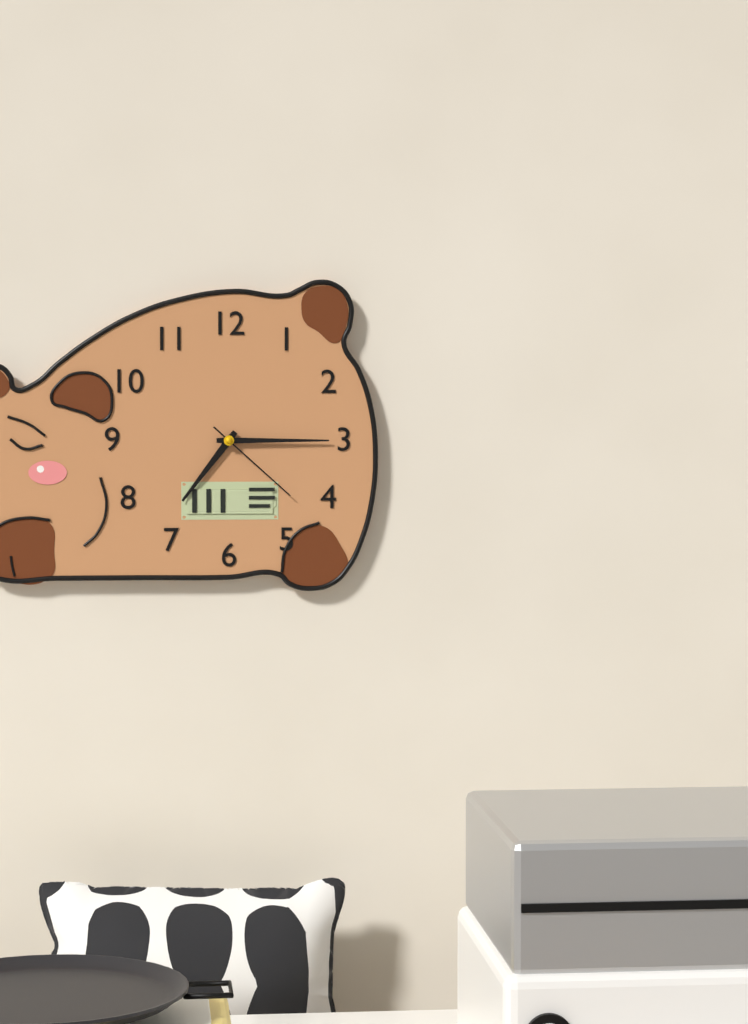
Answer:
7h15m22s
